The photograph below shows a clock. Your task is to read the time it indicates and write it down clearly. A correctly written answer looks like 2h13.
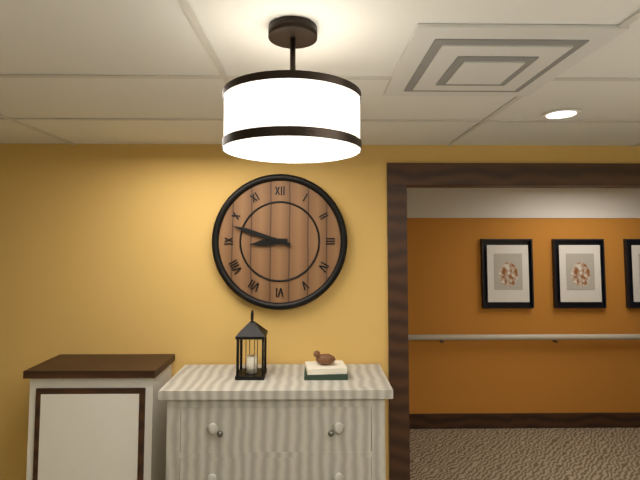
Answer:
8h48
